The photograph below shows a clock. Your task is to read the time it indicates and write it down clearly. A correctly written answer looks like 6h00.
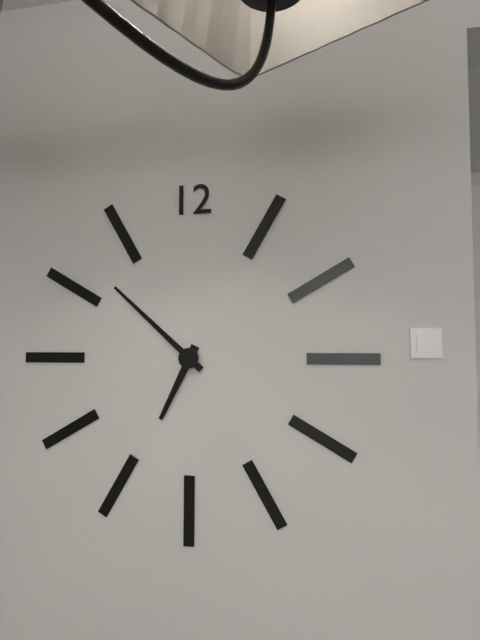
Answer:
6h52
